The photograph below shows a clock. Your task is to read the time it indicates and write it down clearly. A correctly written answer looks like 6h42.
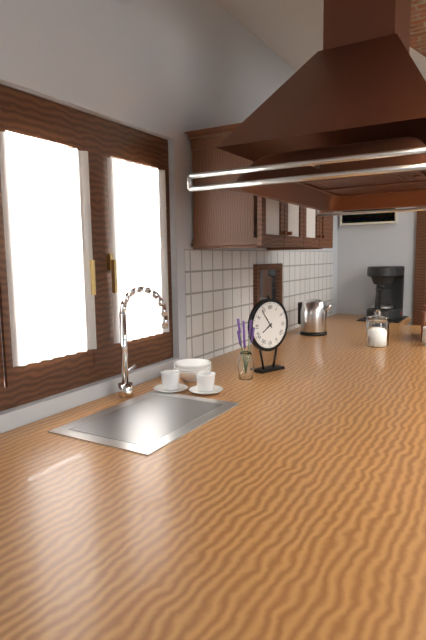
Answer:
7h54
